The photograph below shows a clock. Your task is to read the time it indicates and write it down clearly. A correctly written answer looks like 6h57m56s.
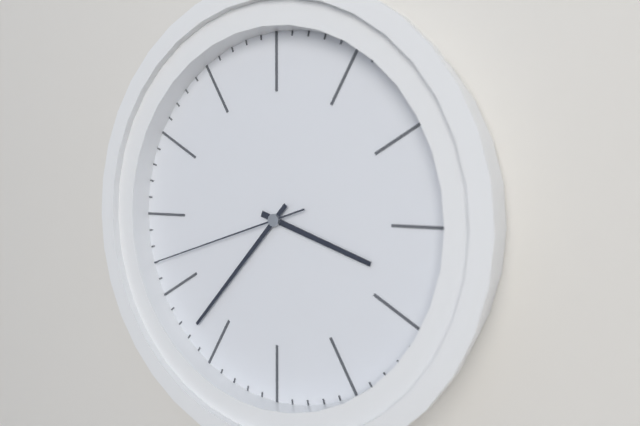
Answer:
3h37m42s
